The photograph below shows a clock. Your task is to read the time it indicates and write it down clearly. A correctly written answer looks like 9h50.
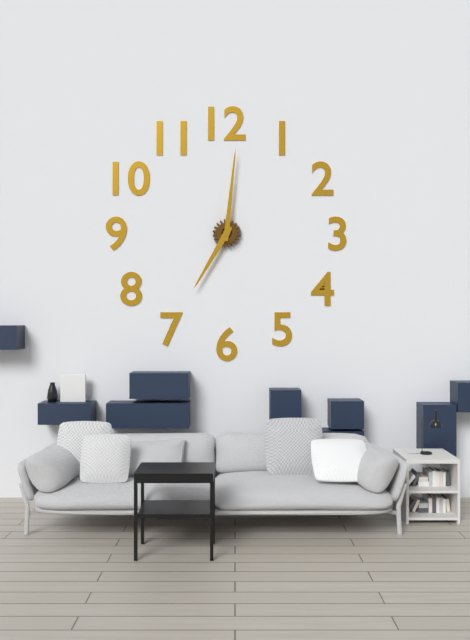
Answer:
7h01
